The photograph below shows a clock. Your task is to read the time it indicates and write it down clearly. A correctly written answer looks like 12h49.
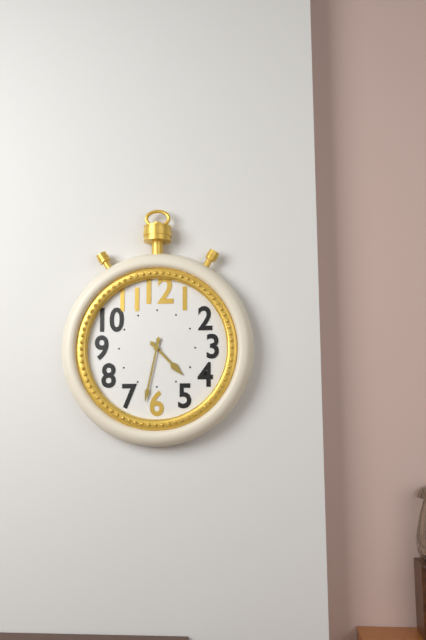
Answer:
4h32
